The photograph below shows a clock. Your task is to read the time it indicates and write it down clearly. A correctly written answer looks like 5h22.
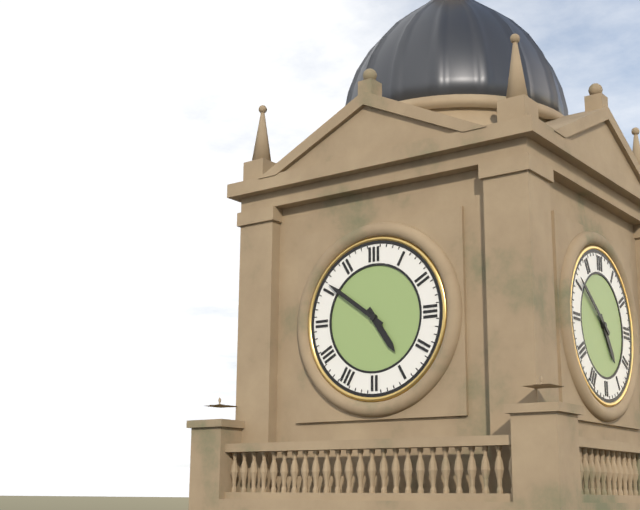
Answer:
4h51
